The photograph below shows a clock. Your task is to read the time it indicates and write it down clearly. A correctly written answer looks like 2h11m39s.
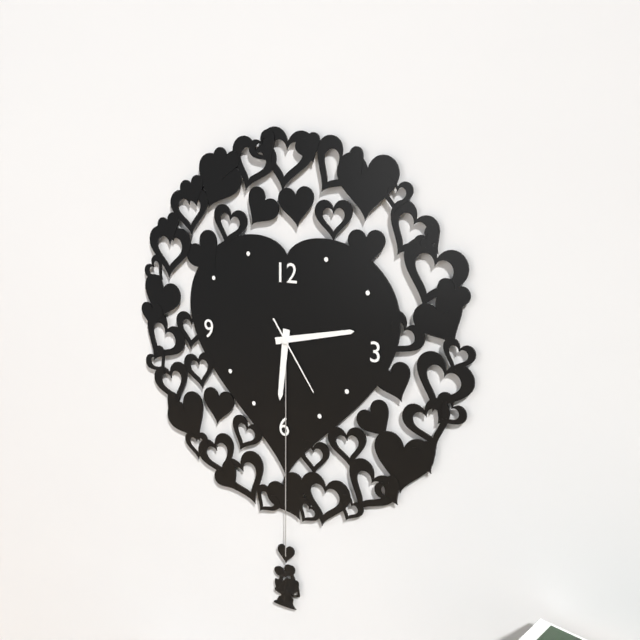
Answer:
6h13m24s
